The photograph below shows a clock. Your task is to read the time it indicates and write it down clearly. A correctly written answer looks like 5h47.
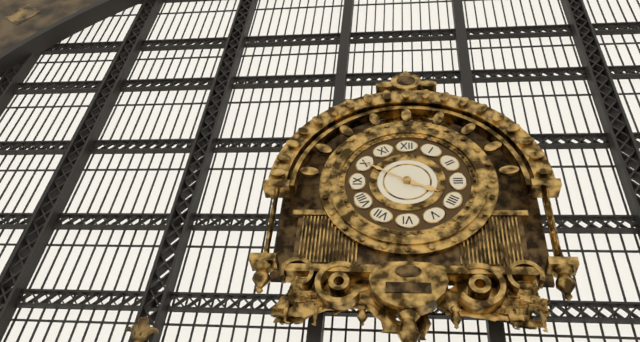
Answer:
3h50
